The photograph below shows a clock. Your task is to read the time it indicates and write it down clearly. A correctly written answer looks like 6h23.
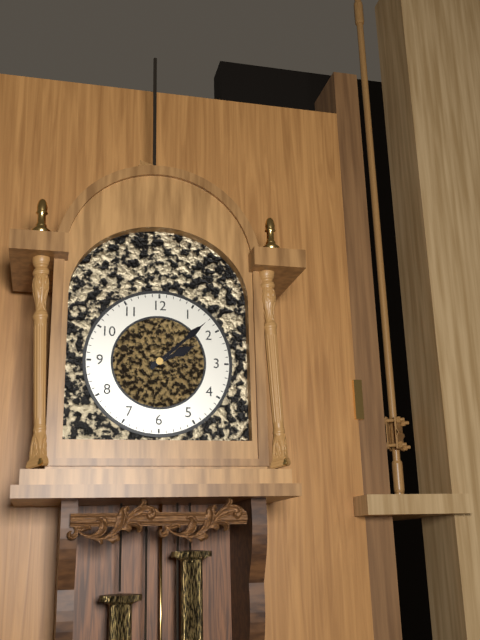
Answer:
2h08
